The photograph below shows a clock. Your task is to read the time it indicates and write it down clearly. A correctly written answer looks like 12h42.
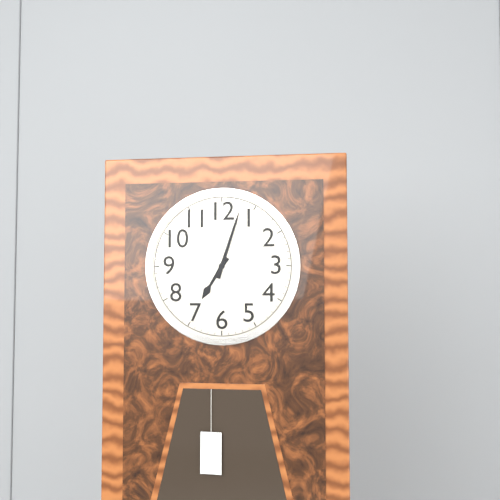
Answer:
7h03
